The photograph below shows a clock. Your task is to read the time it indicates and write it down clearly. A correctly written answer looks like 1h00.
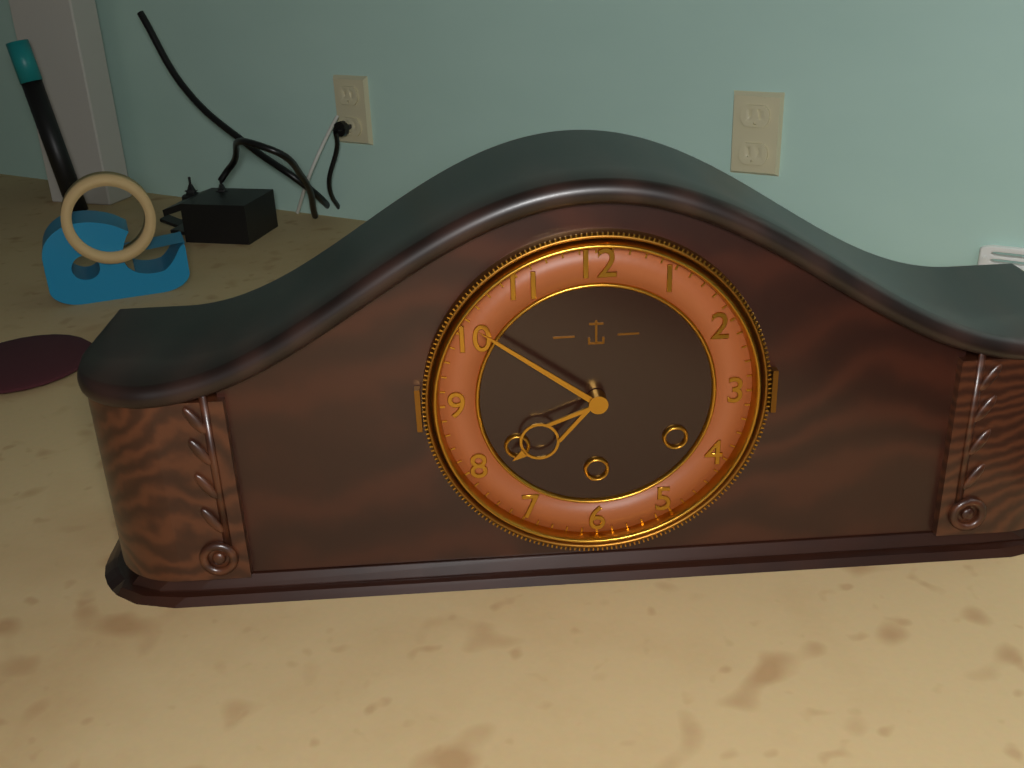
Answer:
7h51
